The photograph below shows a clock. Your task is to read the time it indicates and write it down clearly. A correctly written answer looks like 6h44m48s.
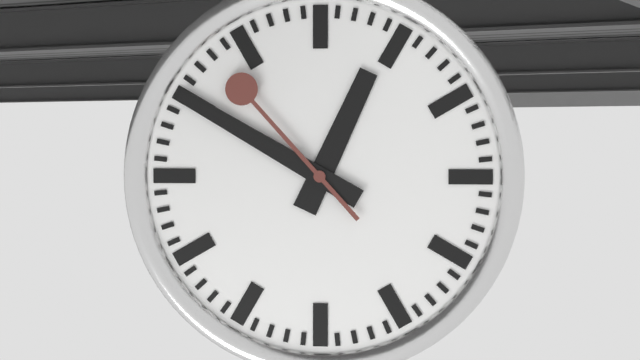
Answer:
12h50m53s
